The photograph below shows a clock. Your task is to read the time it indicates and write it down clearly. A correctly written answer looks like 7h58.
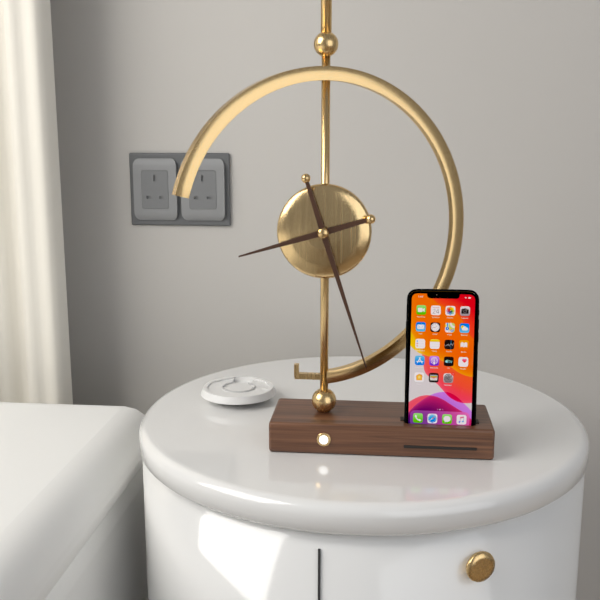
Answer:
8h27
